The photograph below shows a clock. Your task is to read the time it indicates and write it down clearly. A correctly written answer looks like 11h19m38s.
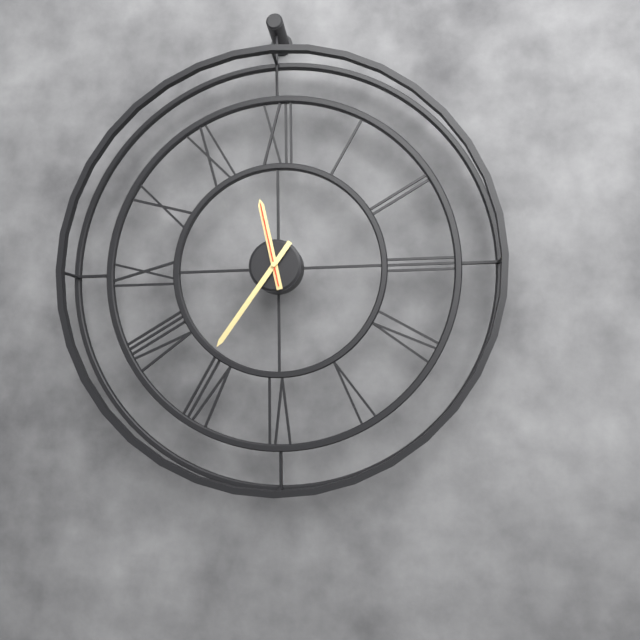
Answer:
11h36m58s
